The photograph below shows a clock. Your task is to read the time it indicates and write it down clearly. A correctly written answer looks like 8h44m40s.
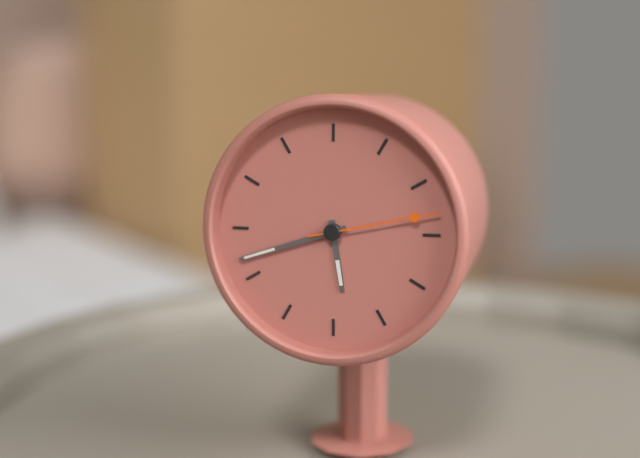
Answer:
5h42m13s
